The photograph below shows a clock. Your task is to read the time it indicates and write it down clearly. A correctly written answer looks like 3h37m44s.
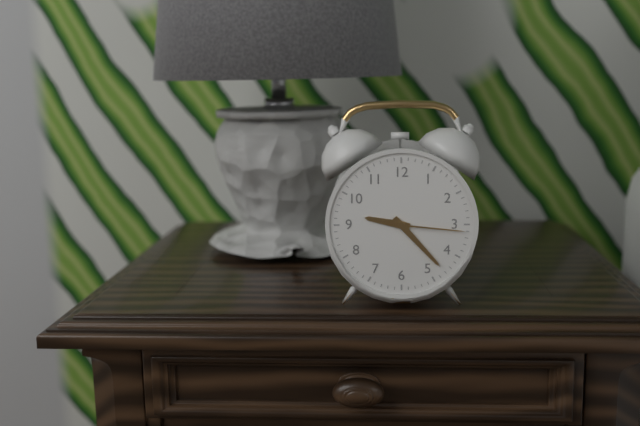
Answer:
9h23m16s
